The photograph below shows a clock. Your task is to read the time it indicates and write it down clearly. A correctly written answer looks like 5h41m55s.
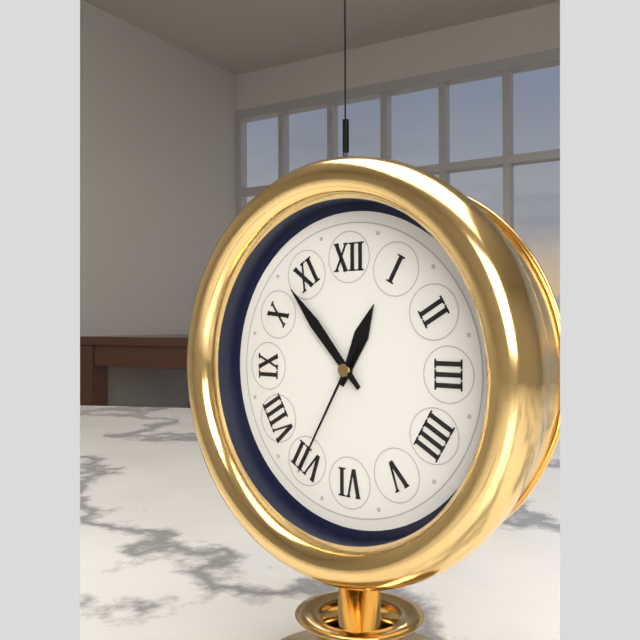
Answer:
12h53m35s
